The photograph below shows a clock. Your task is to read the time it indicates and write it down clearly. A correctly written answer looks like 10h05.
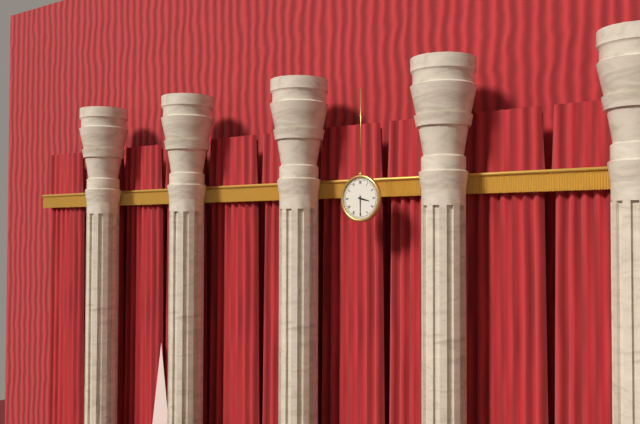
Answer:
3h30
